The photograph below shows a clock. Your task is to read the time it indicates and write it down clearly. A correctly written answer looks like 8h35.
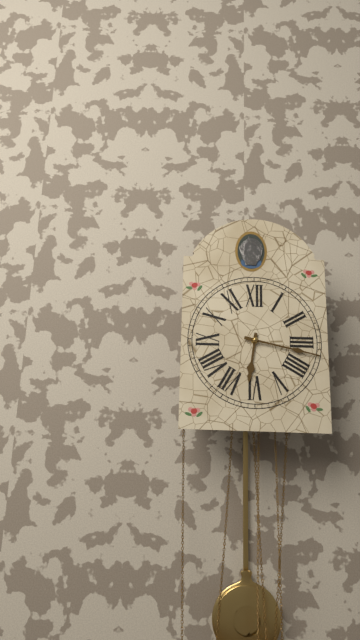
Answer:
6h17
